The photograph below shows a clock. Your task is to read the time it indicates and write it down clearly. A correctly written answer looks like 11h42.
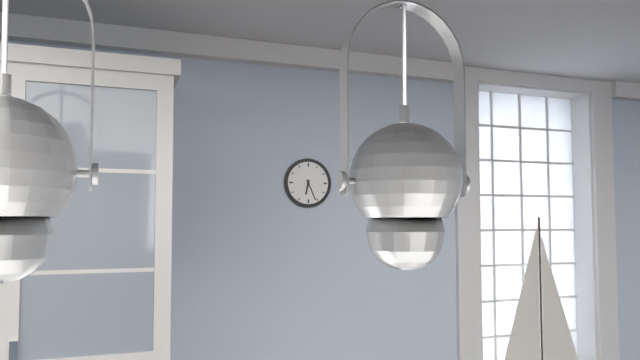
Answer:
6h26
